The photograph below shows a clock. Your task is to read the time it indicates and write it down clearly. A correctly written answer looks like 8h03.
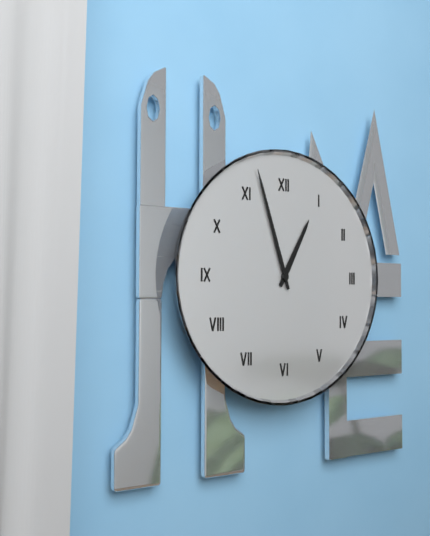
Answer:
12h57
